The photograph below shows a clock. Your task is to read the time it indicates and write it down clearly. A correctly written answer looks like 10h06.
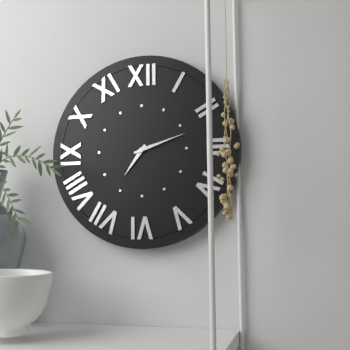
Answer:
7h12
